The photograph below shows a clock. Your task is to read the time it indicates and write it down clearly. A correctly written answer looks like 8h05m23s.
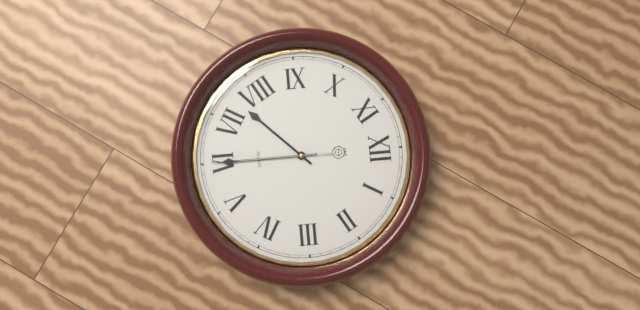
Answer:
7h30m30s
